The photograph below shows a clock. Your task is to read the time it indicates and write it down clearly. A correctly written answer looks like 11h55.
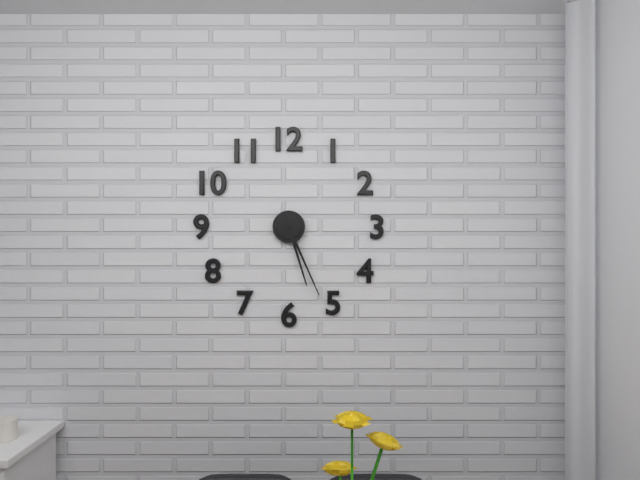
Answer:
5h26
